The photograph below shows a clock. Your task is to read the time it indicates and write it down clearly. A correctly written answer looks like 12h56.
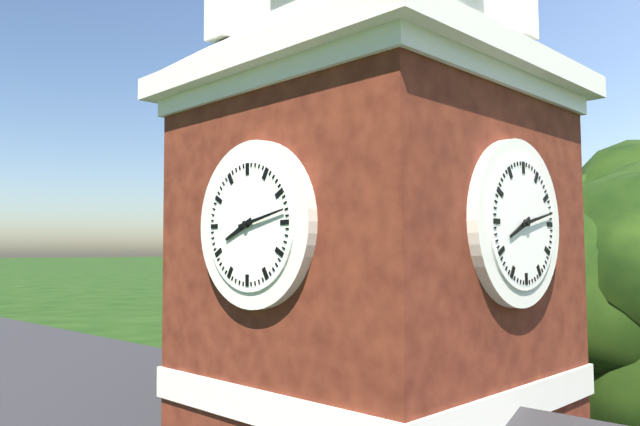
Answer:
8h13
